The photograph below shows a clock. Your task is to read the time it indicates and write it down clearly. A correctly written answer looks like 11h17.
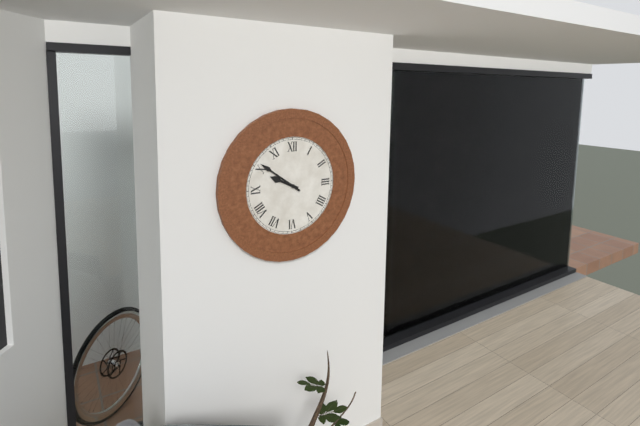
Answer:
9h51
